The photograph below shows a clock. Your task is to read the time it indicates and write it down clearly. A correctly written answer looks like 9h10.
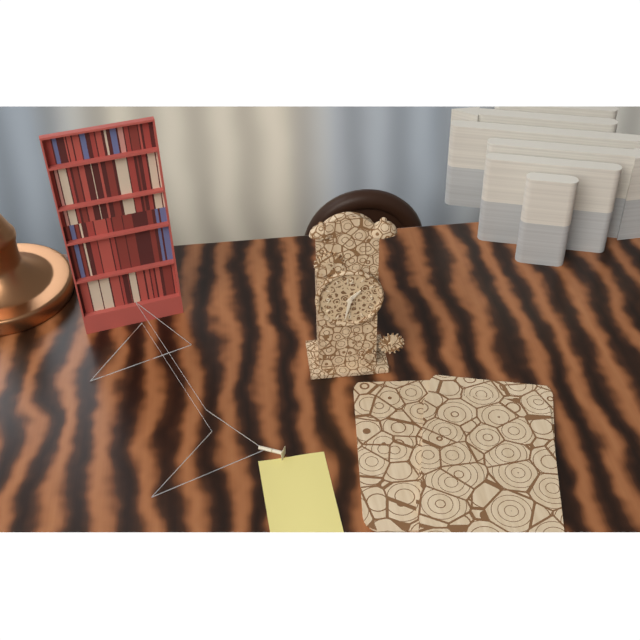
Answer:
1h32
